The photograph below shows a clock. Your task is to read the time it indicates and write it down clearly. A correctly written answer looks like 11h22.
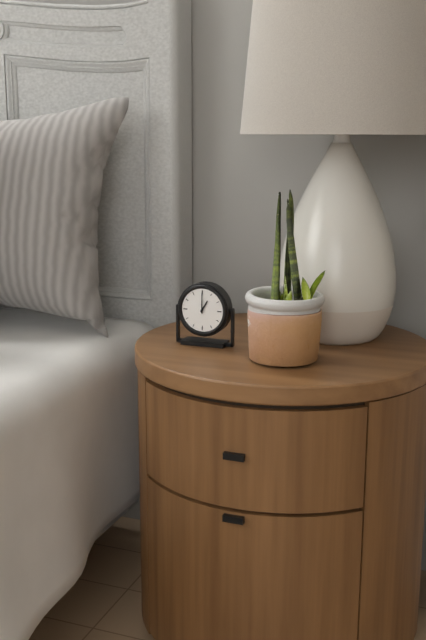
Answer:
1h00
